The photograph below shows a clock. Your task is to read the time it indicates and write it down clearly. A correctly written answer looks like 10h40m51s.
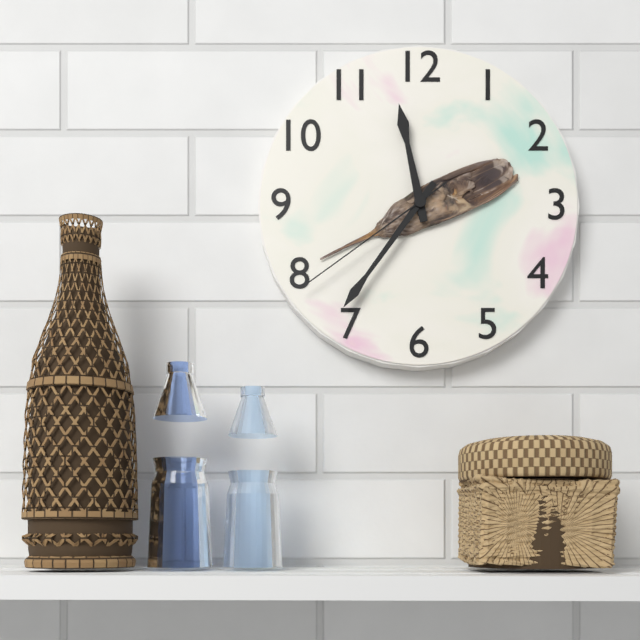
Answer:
11h36m39s
